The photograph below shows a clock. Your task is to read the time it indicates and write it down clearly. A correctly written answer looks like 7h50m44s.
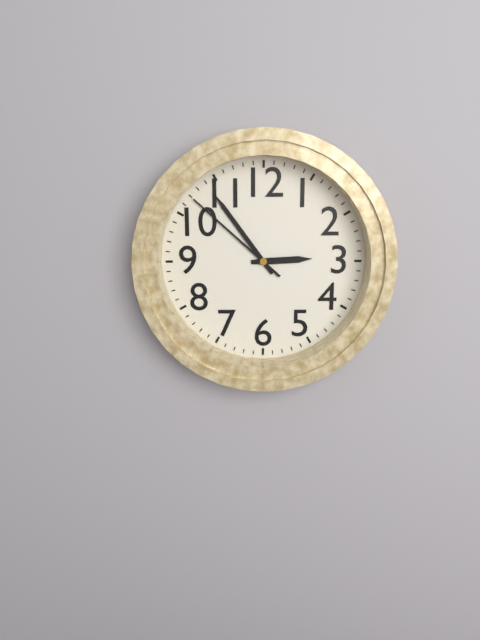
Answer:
2h54m52s
